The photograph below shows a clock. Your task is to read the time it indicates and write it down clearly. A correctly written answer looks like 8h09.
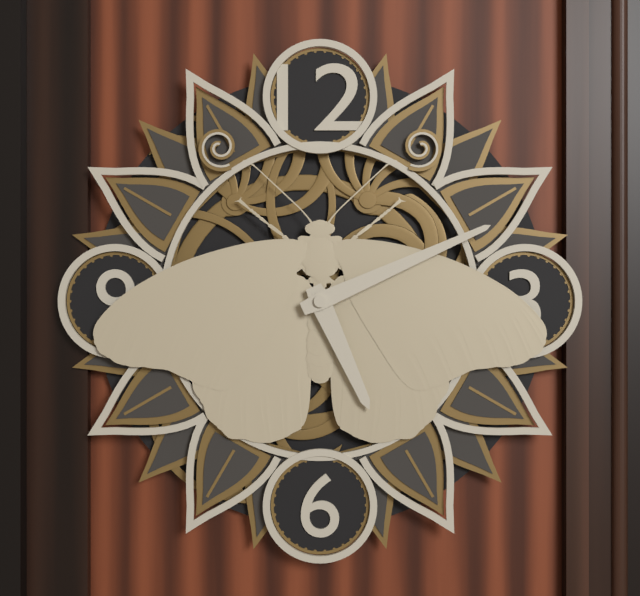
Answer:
5h11
